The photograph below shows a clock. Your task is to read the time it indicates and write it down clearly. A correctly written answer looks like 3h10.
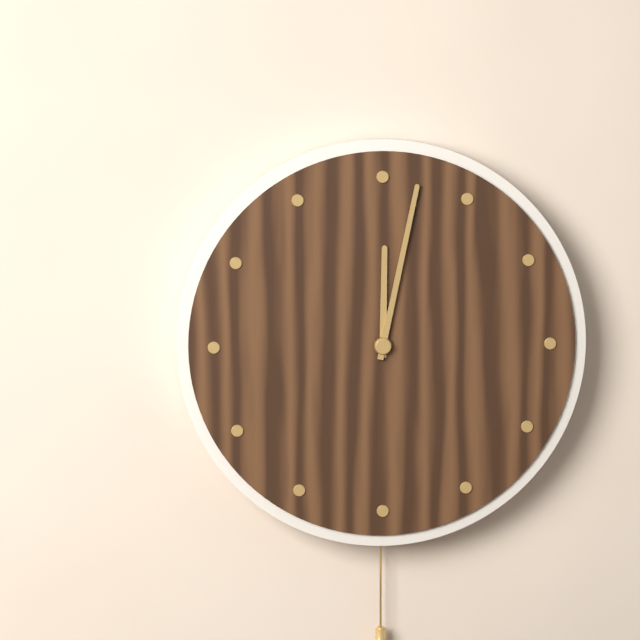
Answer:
12h02
